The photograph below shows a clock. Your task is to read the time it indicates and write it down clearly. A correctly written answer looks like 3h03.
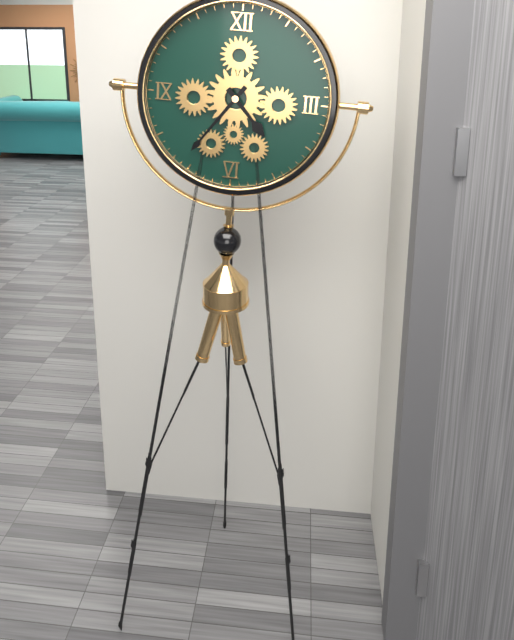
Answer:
4h36
